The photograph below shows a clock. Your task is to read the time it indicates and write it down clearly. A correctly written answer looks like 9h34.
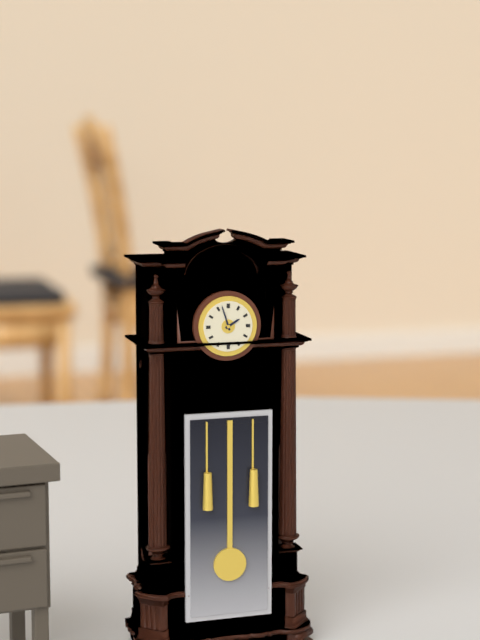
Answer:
1h57
